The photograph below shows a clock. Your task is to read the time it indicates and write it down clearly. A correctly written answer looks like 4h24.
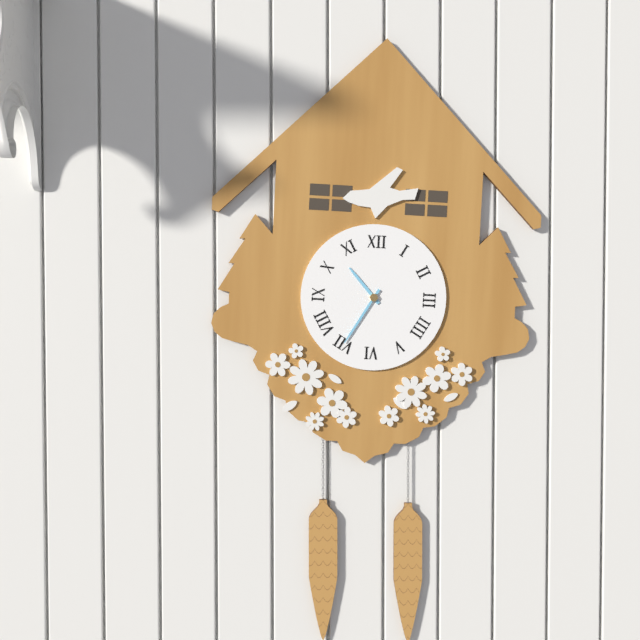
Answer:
10h35
